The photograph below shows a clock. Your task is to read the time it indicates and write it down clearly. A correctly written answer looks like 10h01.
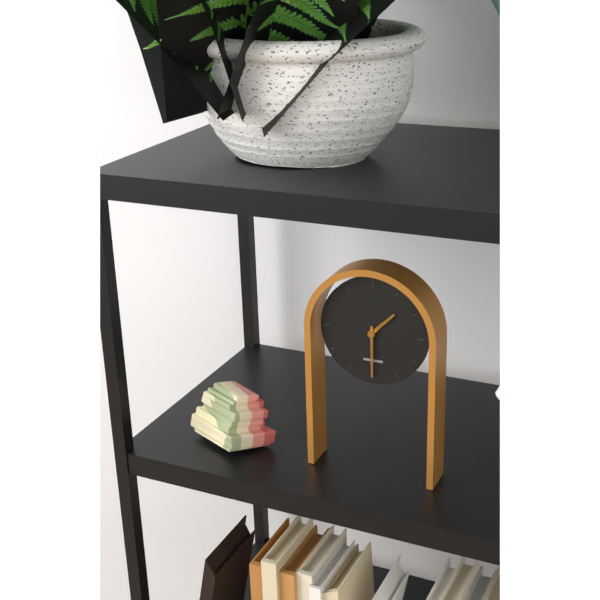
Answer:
1h30
